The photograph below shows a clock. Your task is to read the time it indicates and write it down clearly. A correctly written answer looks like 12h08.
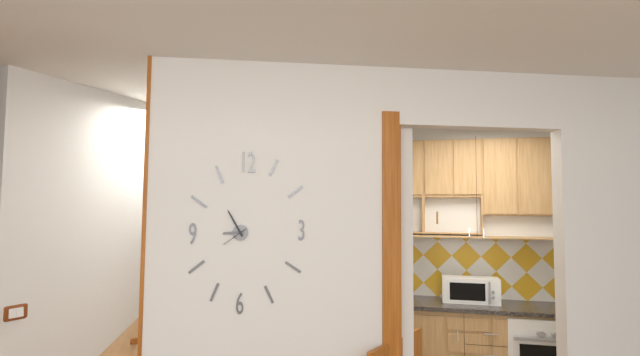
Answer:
8h55
